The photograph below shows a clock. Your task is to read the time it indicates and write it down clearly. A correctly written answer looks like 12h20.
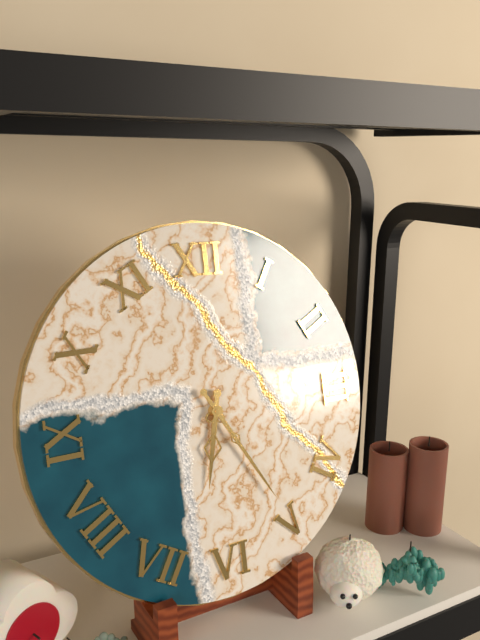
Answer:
6h25
